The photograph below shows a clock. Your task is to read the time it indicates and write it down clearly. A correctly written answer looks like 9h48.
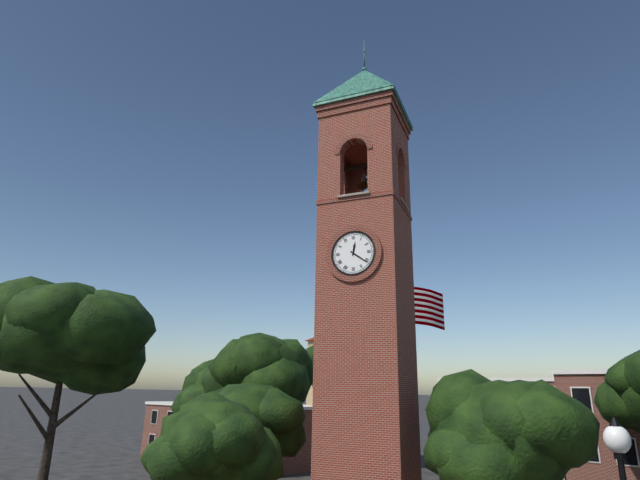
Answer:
12h21
